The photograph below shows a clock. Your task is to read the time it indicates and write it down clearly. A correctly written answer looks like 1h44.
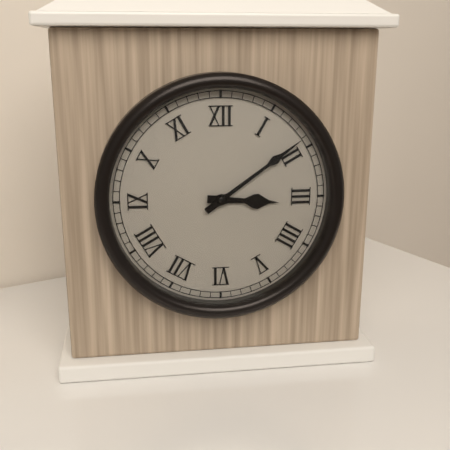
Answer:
3h09
